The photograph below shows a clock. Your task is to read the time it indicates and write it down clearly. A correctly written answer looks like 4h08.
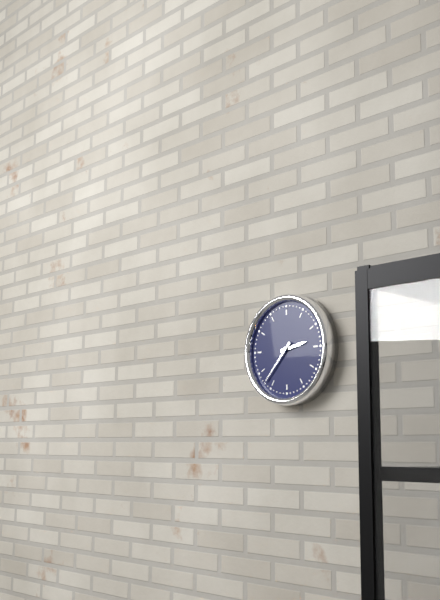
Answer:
2h37
